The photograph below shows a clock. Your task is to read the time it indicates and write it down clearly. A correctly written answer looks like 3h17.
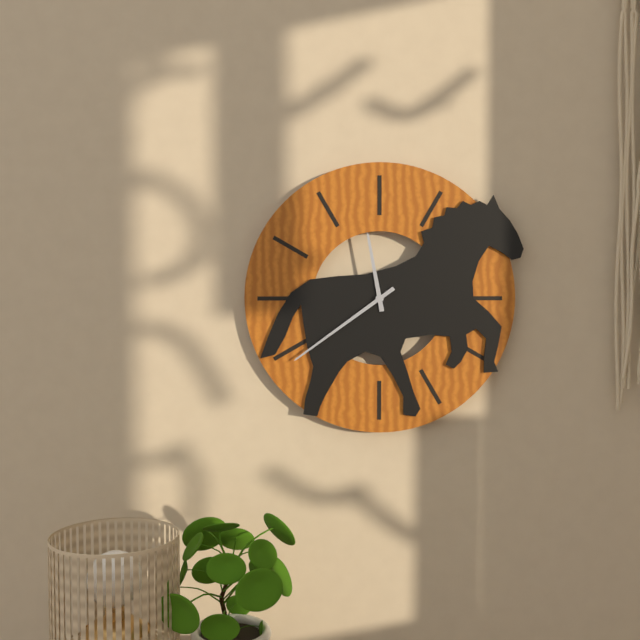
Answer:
11h39
